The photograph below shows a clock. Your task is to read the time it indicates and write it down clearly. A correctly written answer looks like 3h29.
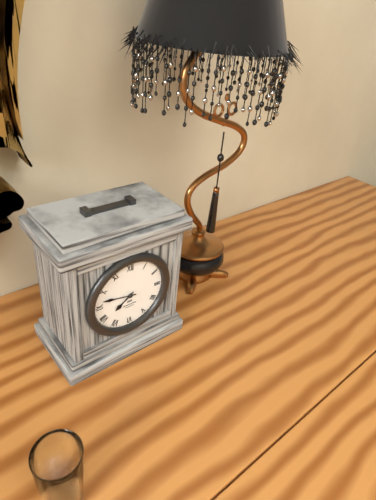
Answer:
7h47
